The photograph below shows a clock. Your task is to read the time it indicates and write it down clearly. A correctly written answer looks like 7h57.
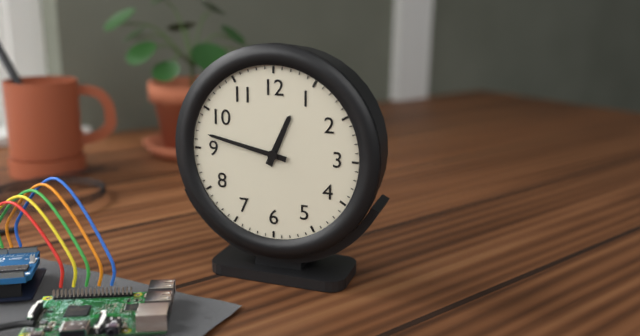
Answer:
12h47
